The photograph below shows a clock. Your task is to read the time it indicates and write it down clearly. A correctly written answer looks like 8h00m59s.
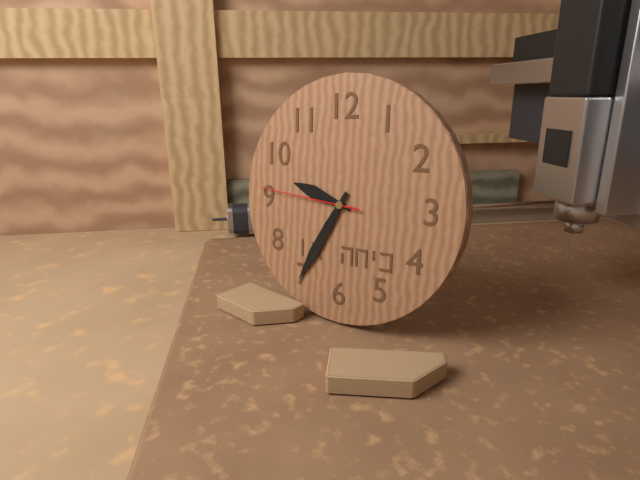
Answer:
9h35m46s
